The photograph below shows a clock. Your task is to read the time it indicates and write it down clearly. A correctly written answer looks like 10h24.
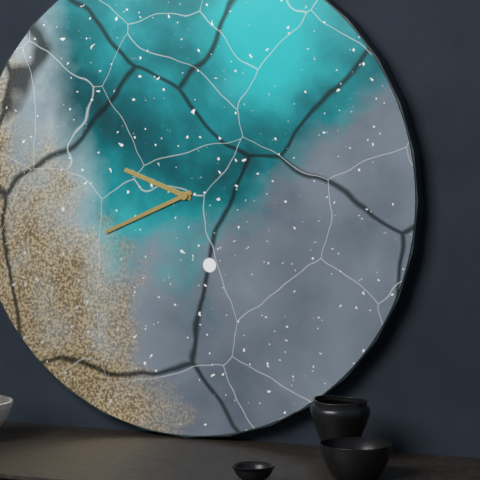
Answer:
9h41
